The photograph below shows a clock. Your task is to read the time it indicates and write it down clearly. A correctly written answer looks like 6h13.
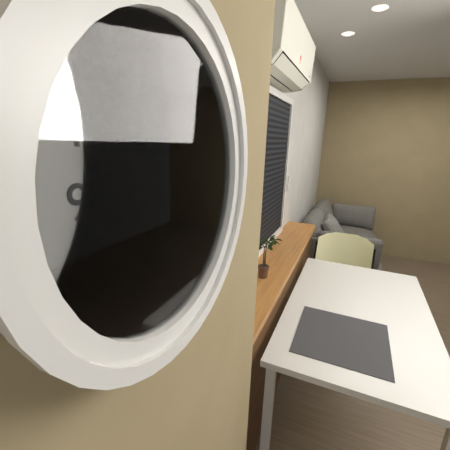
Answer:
9h43
